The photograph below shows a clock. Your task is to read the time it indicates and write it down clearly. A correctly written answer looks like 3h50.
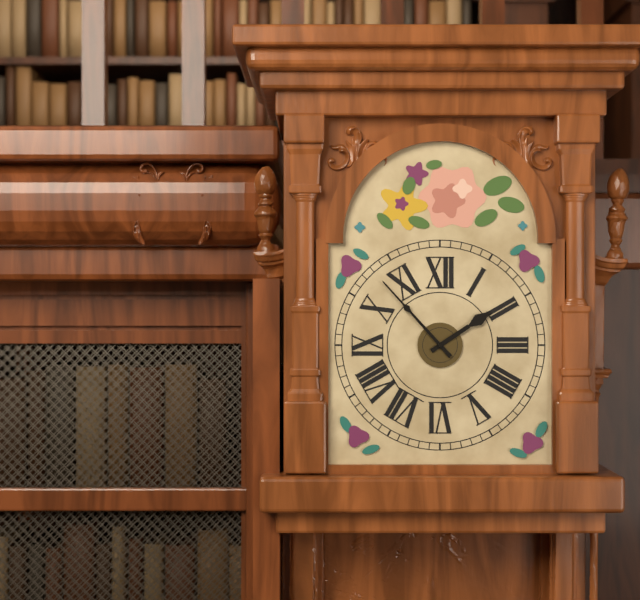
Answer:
1h53
